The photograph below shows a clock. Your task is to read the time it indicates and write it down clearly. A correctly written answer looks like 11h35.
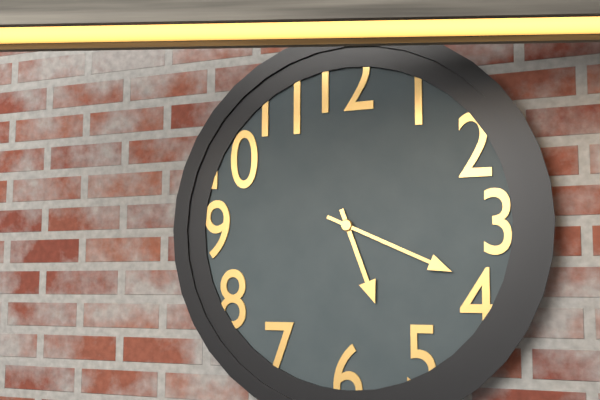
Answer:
5h19
